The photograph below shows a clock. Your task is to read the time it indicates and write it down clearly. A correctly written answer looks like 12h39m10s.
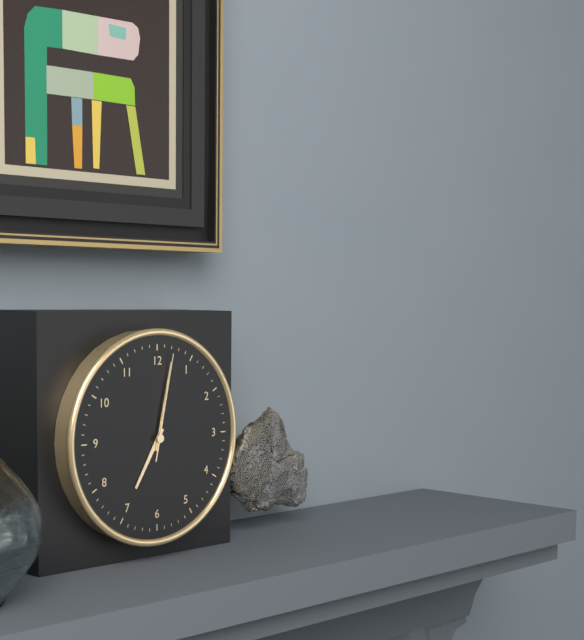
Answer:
7h02m02s
